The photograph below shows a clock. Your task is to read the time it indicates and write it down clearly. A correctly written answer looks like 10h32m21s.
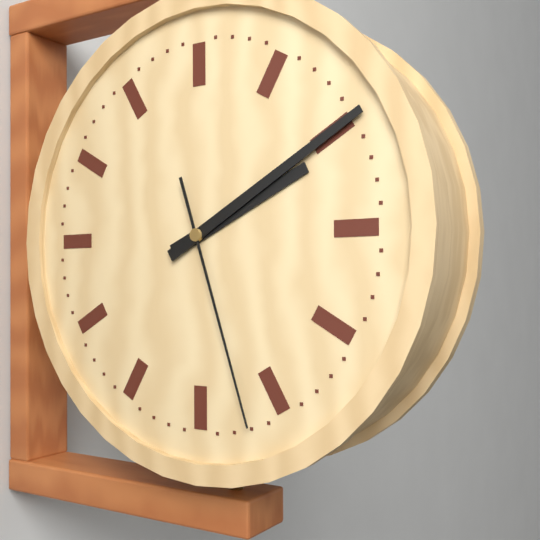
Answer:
2h10m27s
